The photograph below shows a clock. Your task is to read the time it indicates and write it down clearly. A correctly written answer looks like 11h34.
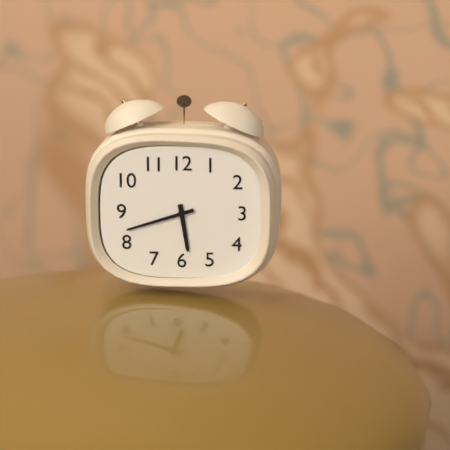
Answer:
5h42
